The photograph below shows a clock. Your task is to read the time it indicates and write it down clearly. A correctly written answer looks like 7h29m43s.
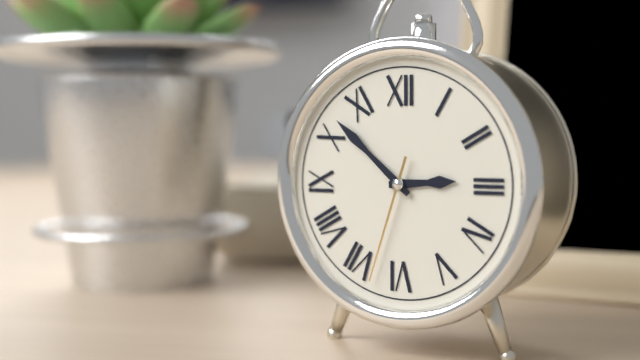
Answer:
2h52m33s
